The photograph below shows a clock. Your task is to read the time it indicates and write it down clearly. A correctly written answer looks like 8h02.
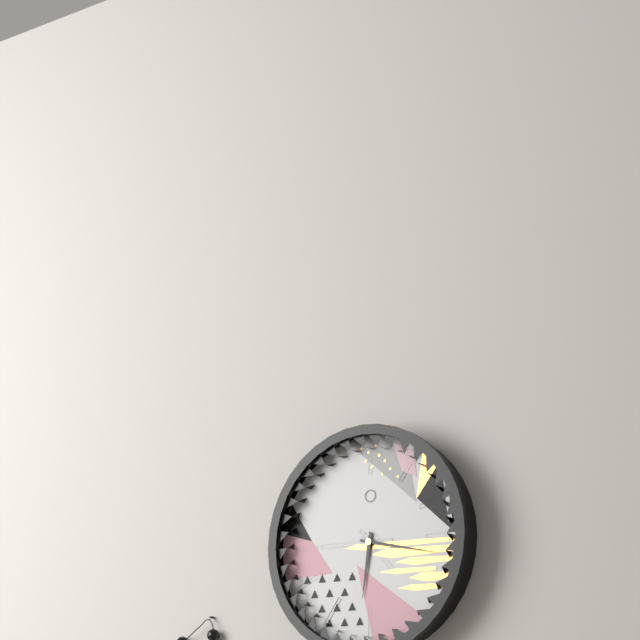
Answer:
6h17
